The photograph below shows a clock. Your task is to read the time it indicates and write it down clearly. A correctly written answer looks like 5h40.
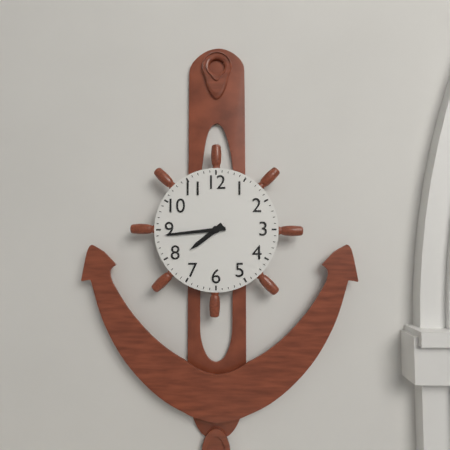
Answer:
7h44
